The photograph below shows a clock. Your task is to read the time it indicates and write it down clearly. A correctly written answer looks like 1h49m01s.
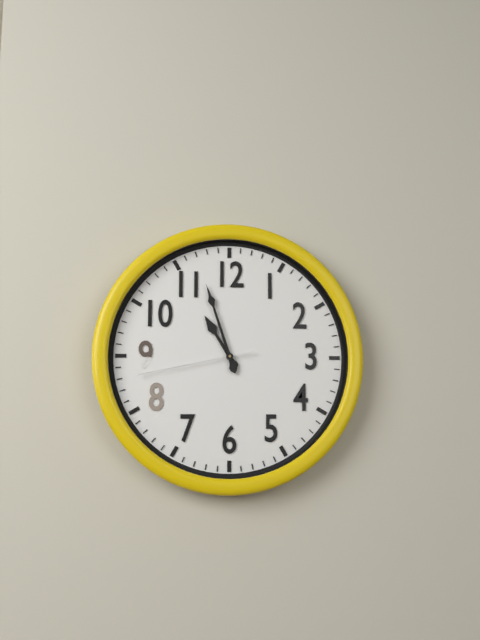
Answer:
10h57m43s
